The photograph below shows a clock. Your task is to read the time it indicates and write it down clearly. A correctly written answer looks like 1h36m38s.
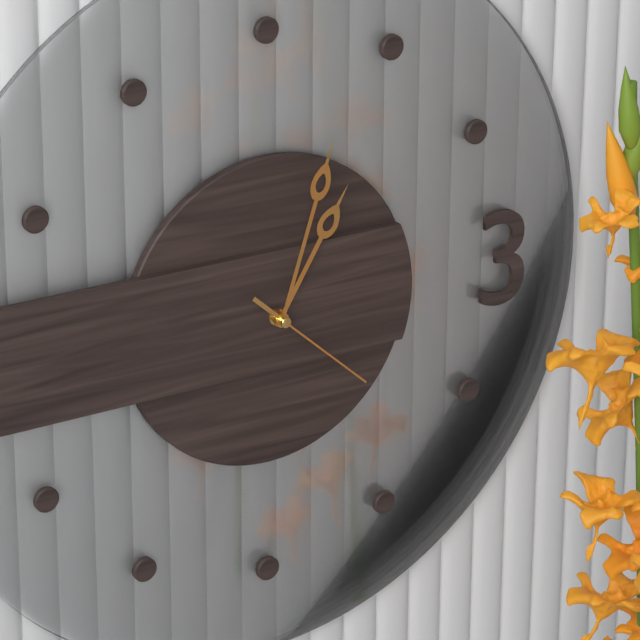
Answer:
1h03m22s
